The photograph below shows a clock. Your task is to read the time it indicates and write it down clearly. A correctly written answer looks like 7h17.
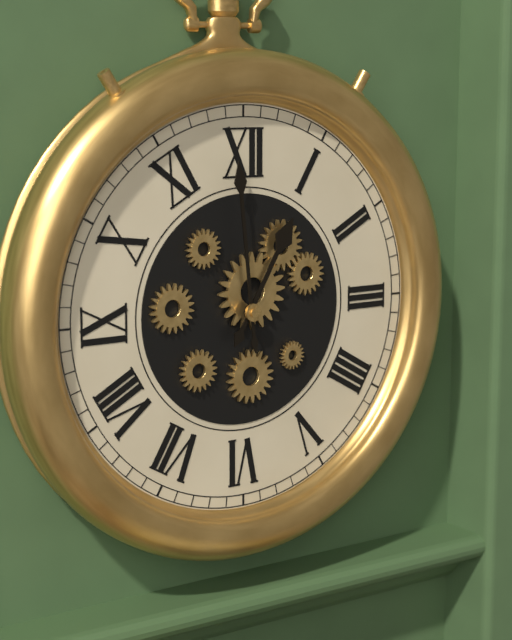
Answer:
12h59
